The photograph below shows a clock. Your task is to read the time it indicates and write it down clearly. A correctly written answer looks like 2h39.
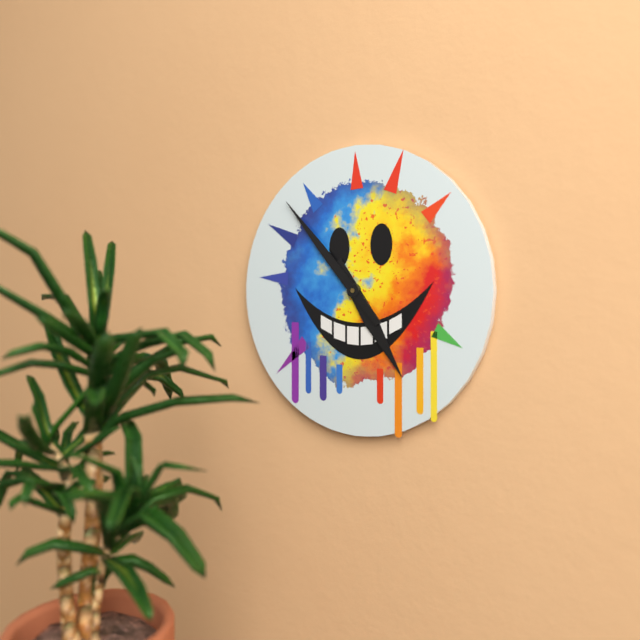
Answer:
4h53
